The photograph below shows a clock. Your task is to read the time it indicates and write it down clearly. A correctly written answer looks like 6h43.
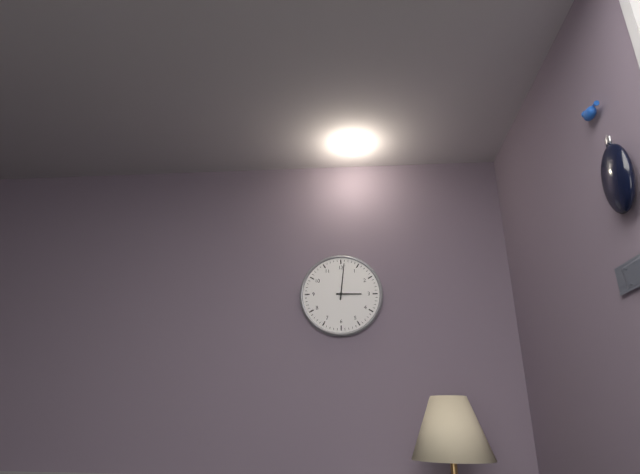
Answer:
3h01
